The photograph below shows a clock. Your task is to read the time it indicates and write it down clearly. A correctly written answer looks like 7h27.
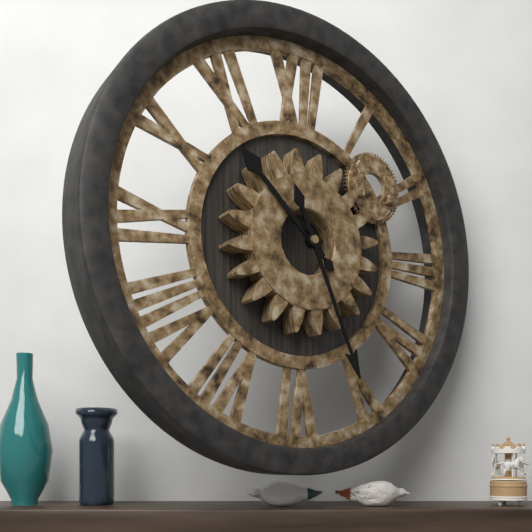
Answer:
10h26
